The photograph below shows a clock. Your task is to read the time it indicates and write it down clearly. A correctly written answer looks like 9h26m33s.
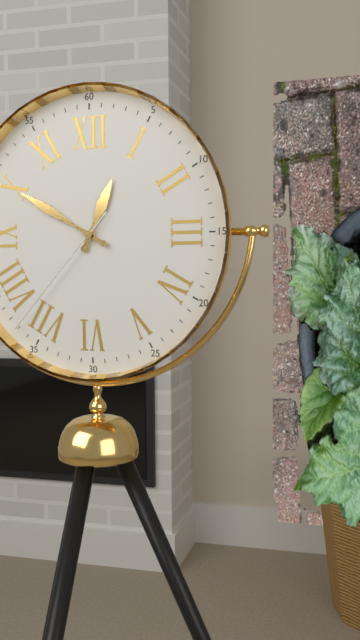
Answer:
12h50m37s
